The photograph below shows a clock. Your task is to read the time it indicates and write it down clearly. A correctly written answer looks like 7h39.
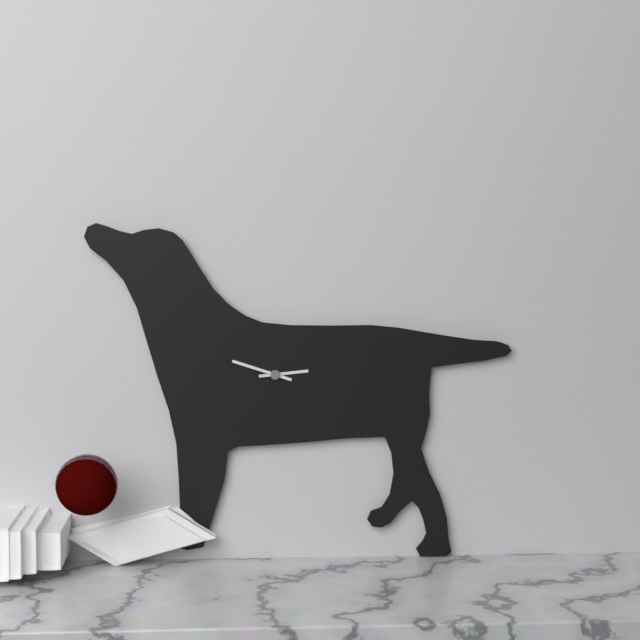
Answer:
2h48
